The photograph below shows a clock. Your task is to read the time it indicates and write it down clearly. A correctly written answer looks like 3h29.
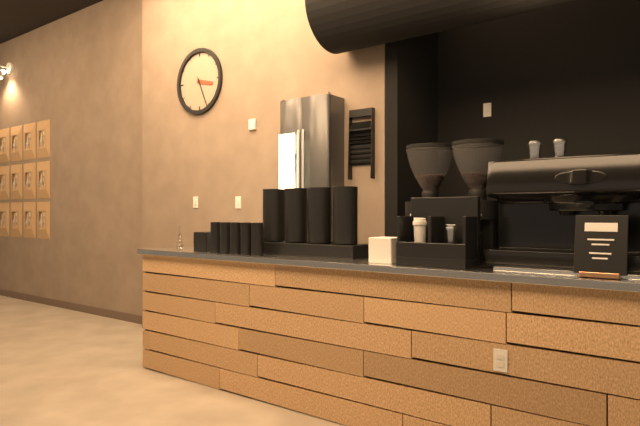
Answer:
3h26
